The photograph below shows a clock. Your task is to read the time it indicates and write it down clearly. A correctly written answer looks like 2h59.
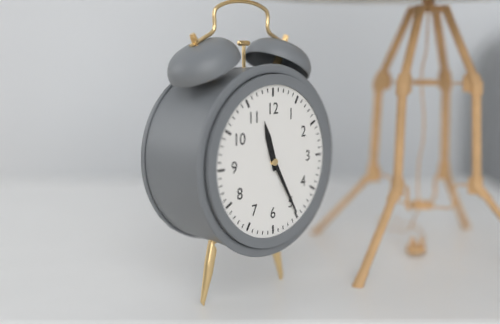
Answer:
11h25
